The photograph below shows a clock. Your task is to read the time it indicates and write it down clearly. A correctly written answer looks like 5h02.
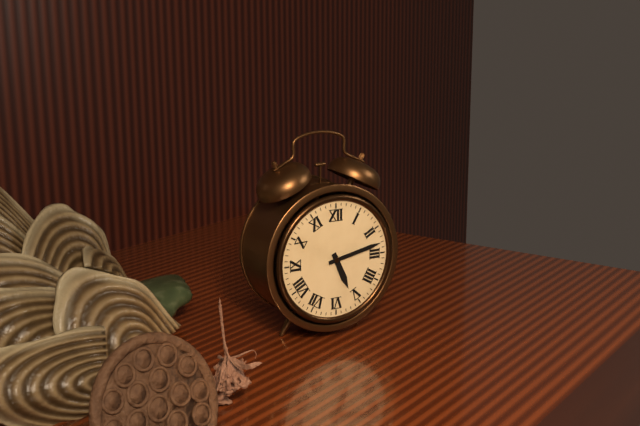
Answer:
5h13
